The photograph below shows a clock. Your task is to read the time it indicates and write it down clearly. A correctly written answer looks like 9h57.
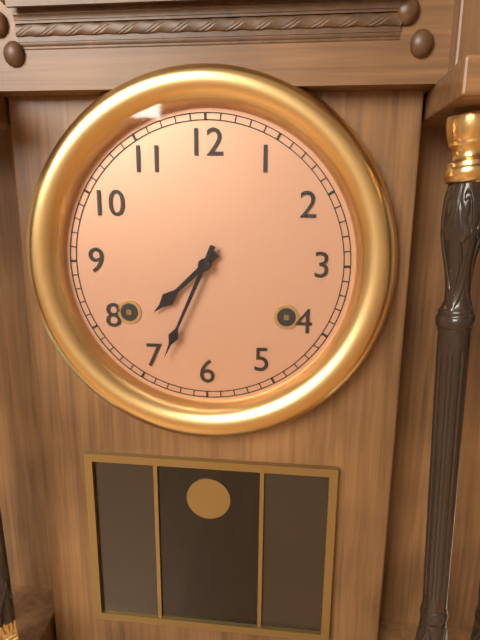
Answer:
7h34
